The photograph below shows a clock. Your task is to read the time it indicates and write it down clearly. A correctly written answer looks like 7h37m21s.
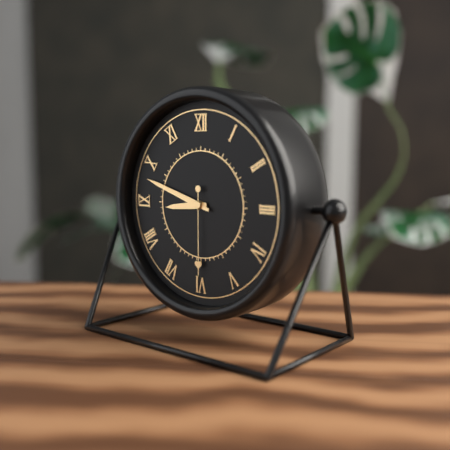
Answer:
8h48m30s
